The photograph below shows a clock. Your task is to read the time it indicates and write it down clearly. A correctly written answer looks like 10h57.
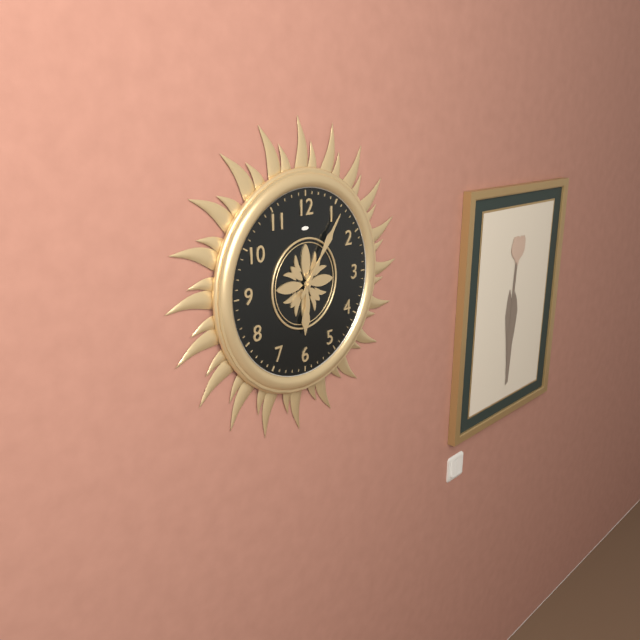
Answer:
6h06
